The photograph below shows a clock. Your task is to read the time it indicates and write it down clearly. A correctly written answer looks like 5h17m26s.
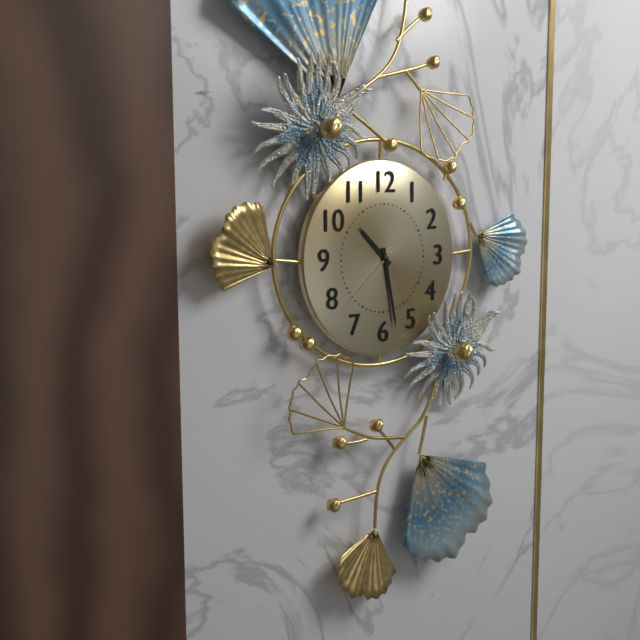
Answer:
10h28m38s
